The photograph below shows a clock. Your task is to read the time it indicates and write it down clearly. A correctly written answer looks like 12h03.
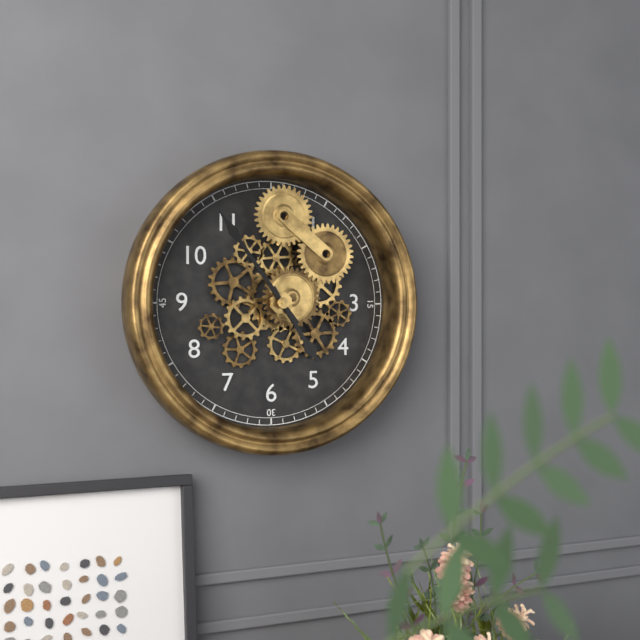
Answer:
4h54
